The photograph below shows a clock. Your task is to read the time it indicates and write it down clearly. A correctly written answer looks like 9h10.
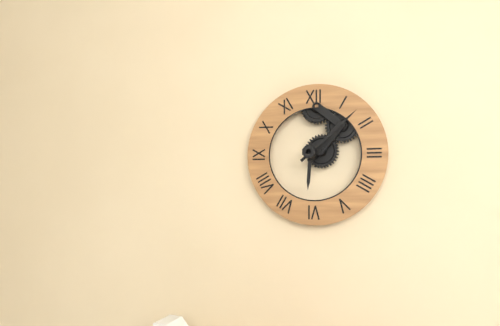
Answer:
6h08
